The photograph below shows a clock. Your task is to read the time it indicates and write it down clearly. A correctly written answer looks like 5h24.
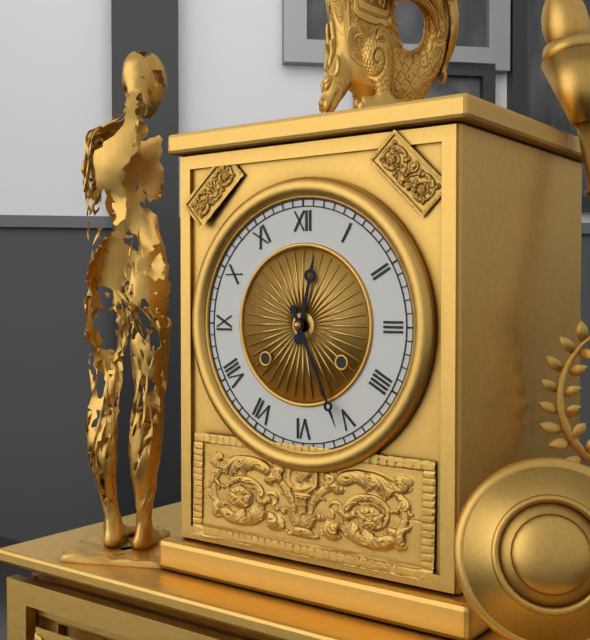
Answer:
12h26
